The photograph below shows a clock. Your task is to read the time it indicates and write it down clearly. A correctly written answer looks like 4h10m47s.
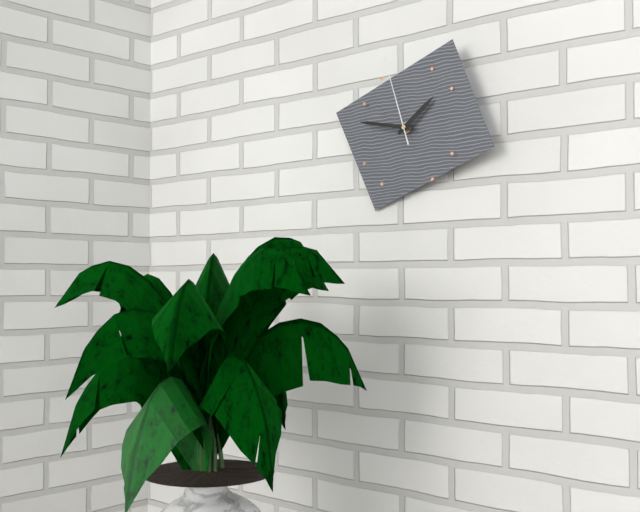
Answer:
1h47m57s
